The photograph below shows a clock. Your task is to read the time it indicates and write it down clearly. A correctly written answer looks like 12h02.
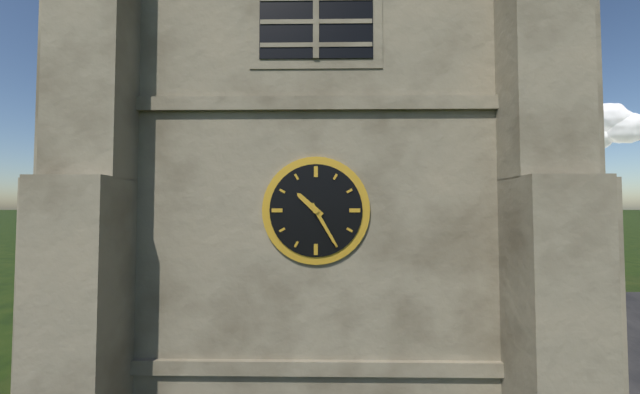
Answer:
10h25
